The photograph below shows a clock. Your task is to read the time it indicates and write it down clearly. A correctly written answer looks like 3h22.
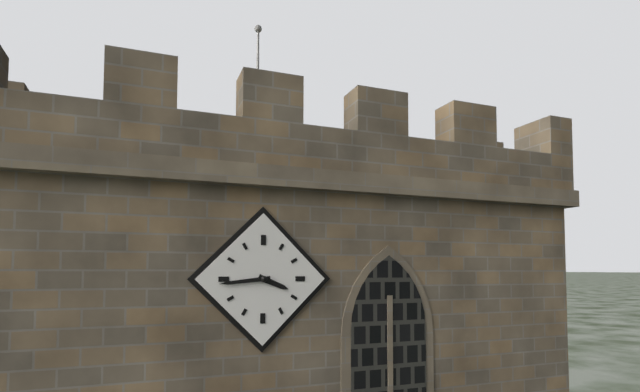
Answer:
3h44
